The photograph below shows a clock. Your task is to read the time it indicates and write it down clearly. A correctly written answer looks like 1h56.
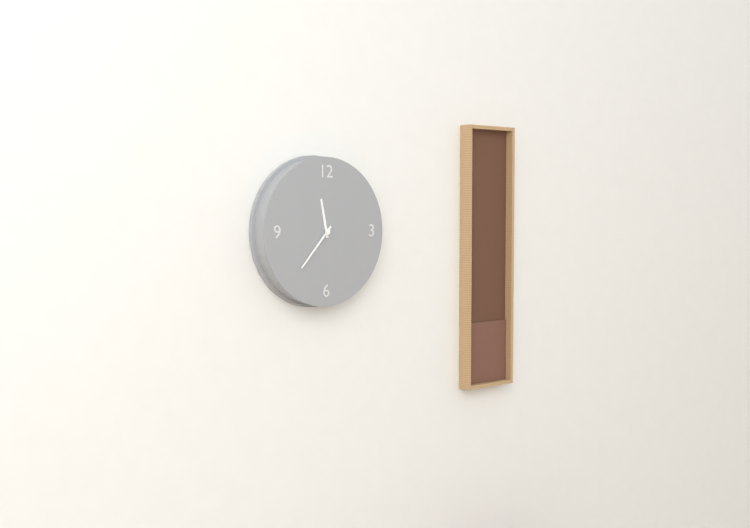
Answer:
11h37
